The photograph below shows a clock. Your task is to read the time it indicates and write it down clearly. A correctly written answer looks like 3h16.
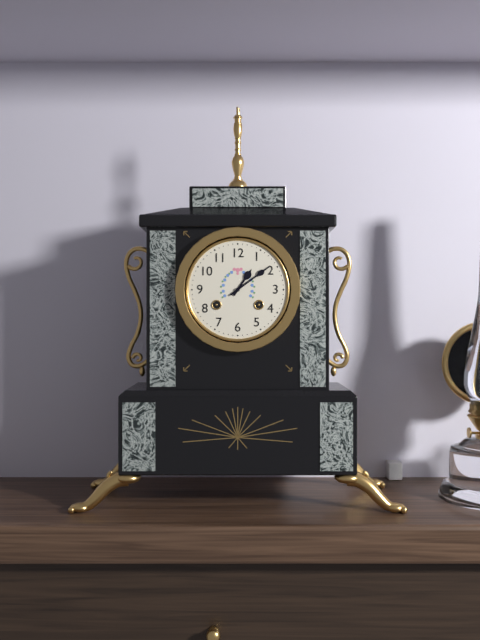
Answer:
1h09
